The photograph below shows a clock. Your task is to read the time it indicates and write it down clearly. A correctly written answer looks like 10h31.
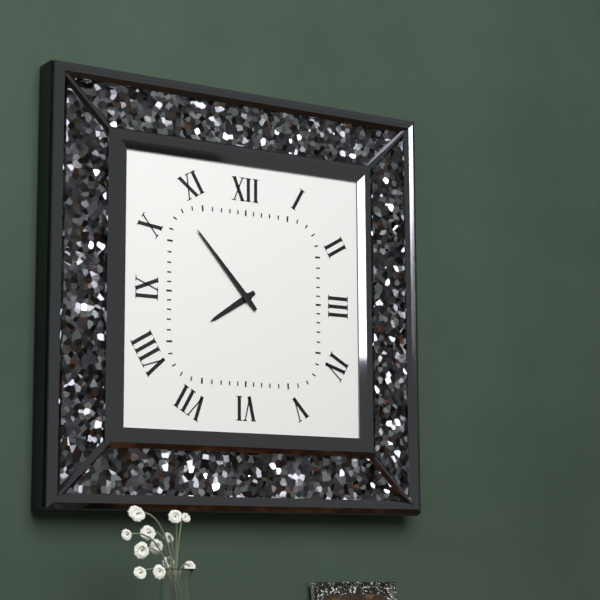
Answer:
7h53
